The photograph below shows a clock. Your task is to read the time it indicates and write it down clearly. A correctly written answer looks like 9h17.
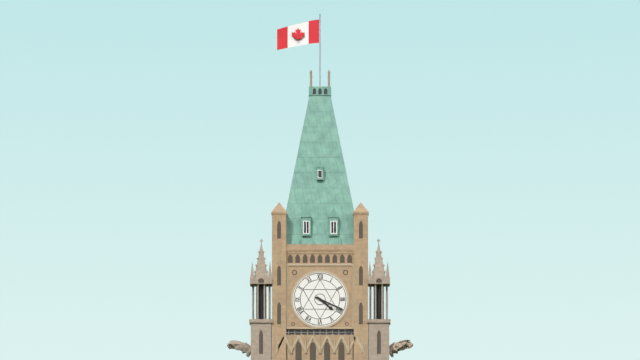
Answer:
4h19
